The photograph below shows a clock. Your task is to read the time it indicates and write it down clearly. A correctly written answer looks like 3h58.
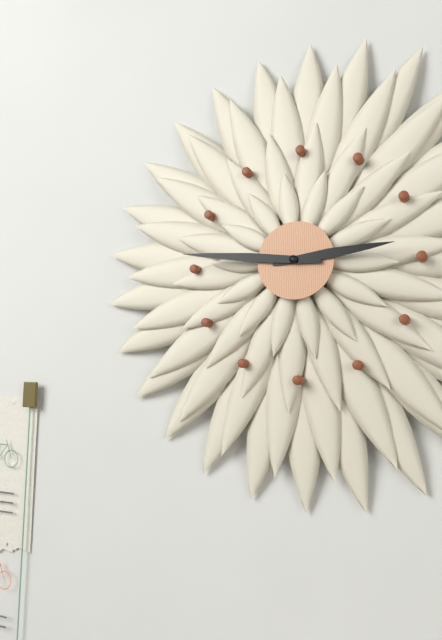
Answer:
2h46
